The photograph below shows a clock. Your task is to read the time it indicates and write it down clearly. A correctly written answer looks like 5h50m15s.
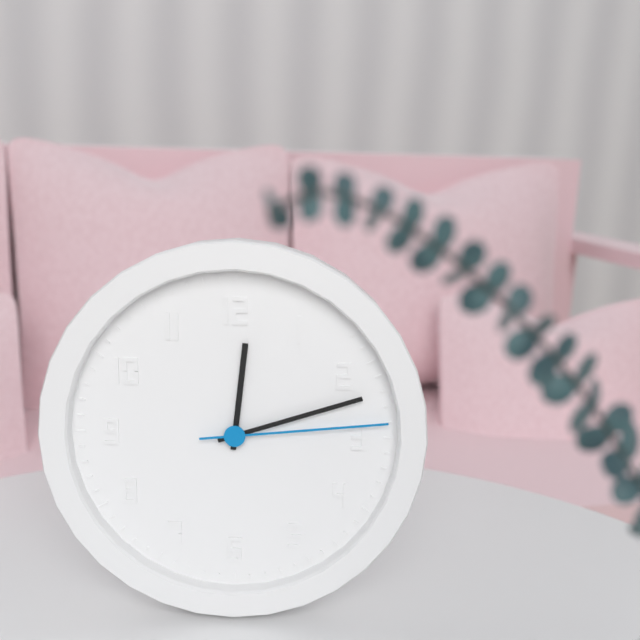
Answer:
12h12m14s
